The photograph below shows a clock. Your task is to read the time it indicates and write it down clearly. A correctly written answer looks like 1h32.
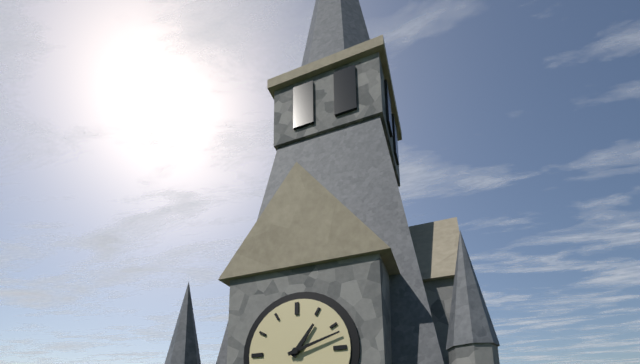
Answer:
1h12
